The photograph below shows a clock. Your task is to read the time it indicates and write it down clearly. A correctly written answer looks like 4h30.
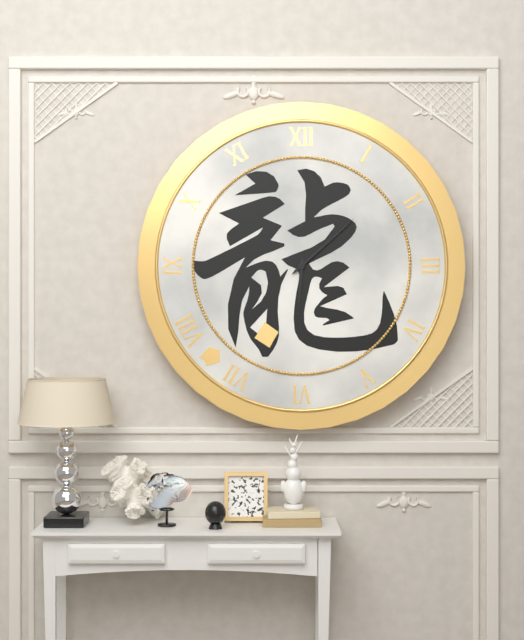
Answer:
6h08
